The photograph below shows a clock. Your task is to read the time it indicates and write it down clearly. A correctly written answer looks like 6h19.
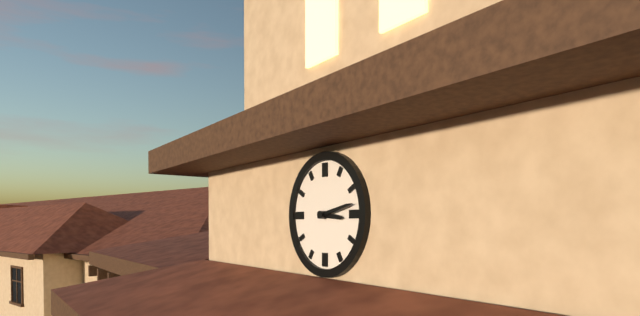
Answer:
3h13
